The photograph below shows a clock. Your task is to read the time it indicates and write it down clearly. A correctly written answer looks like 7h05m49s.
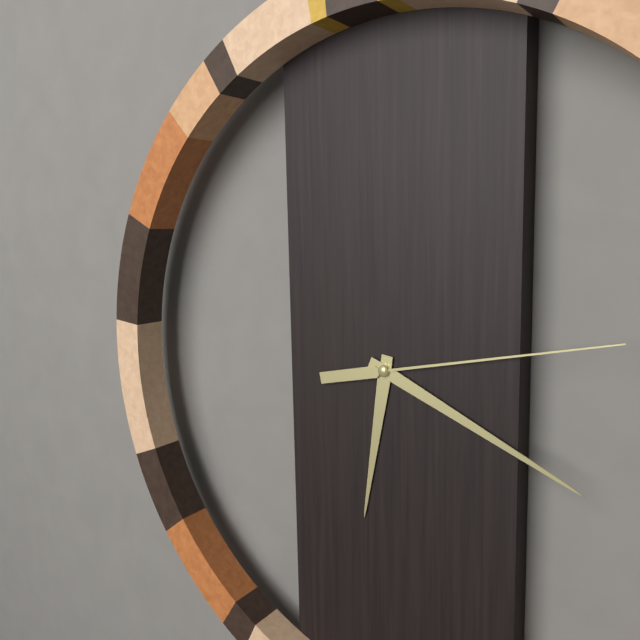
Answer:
6h19m13s
